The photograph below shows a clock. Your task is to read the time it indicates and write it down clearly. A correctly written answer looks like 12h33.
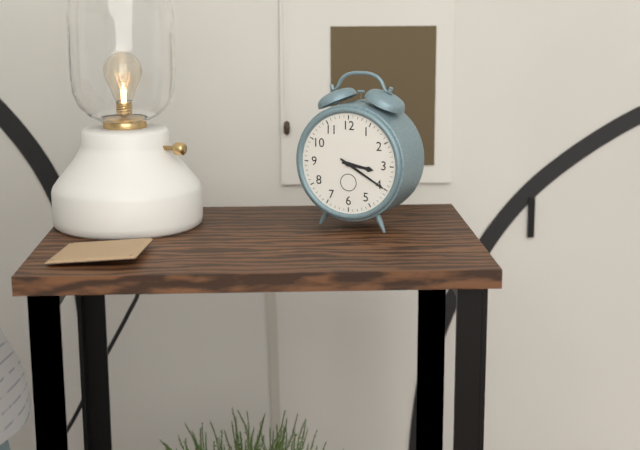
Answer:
3h20
